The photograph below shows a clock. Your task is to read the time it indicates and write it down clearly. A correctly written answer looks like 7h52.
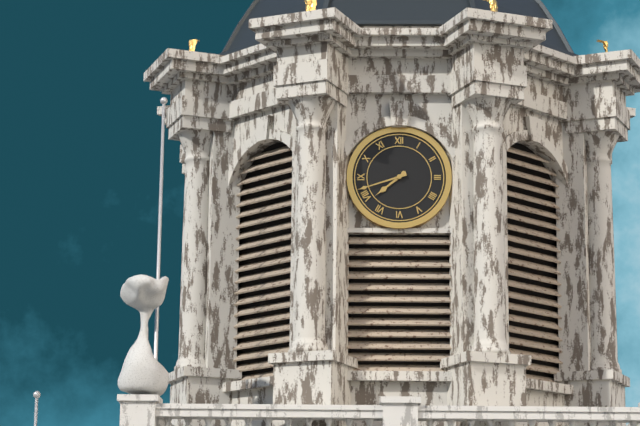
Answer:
7h42
